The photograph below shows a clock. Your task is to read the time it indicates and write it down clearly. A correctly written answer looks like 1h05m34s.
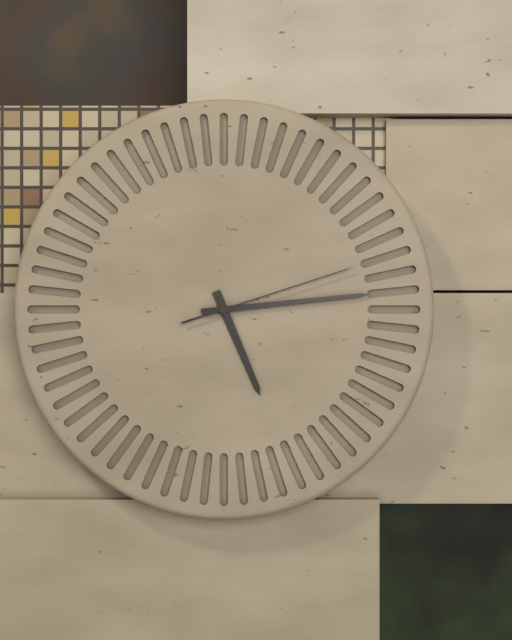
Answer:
5h14m12s
